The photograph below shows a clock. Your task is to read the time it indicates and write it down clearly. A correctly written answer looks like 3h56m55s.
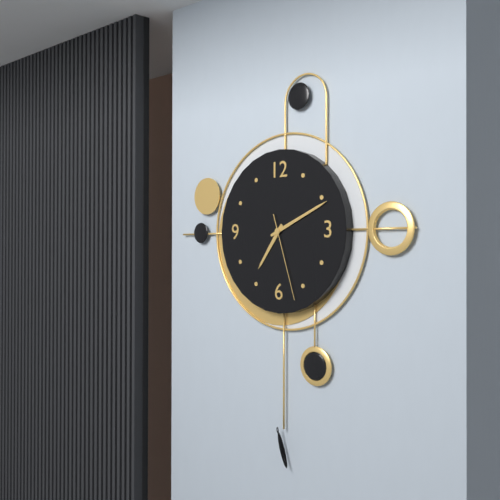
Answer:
7h11m27s
